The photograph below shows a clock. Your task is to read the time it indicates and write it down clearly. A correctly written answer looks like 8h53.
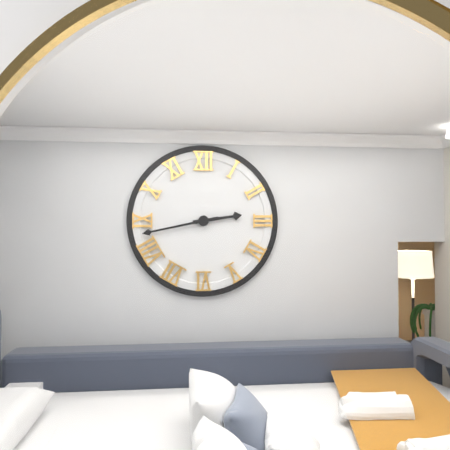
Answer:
2h43
